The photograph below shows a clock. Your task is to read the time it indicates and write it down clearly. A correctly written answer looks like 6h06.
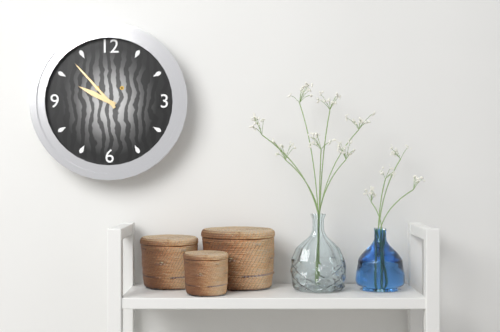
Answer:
9h53
